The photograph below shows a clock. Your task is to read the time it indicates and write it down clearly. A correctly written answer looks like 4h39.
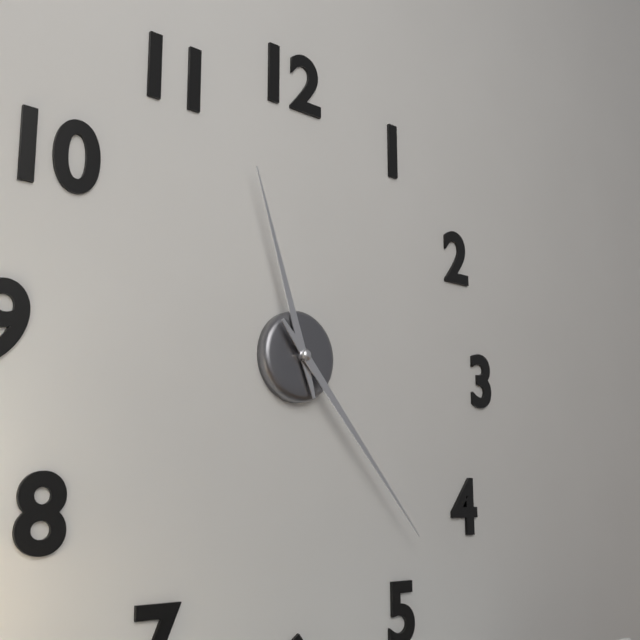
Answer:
11h23
